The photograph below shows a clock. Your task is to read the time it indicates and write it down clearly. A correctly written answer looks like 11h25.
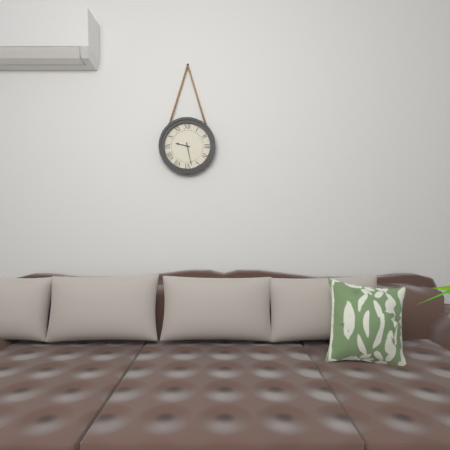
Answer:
9h28
